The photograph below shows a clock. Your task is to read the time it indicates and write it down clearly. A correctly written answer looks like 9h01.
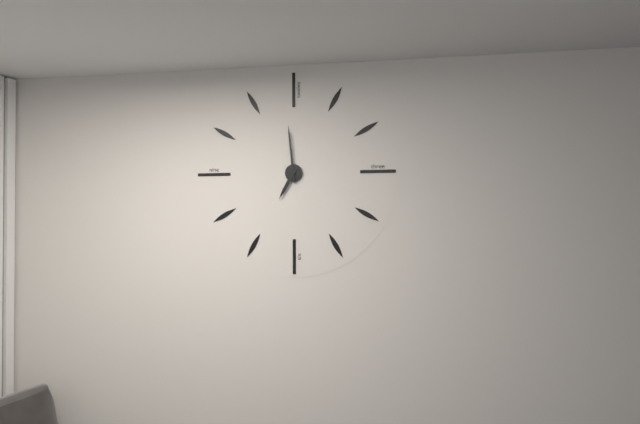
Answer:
6h59
